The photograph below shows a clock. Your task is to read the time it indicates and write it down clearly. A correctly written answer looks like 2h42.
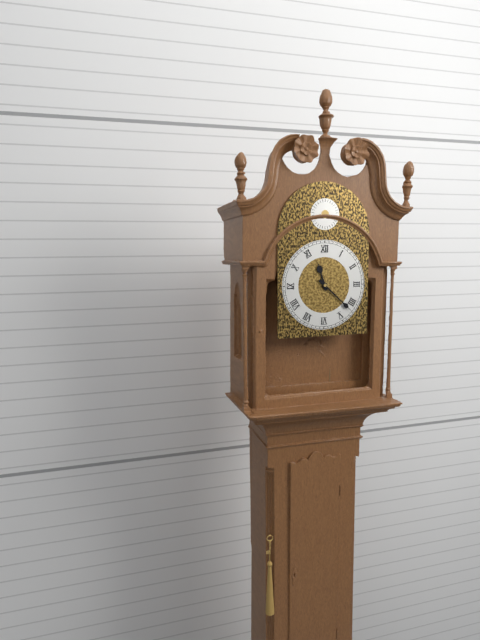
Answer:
11h22
